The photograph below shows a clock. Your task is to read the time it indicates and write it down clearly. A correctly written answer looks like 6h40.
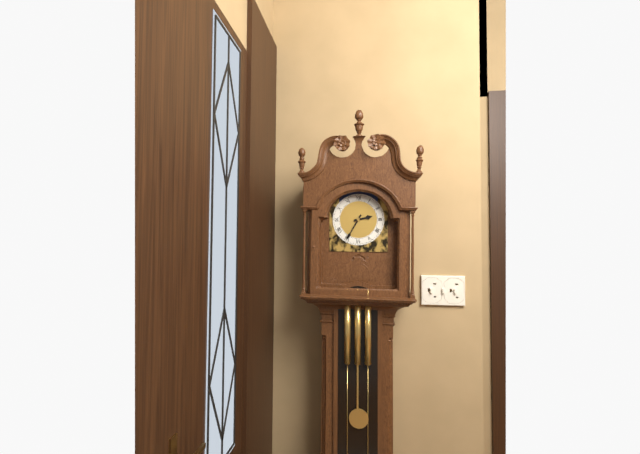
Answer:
2h35
